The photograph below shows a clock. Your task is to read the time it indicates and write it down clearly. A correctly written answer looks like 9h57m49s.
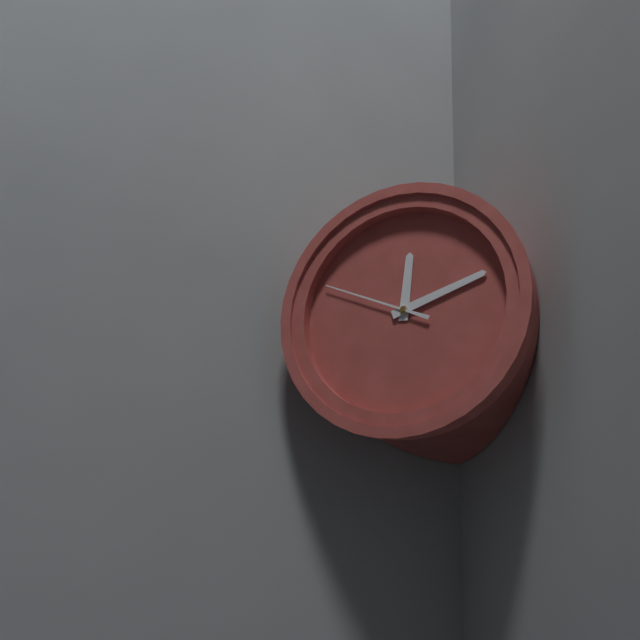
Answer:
12h12m49s
